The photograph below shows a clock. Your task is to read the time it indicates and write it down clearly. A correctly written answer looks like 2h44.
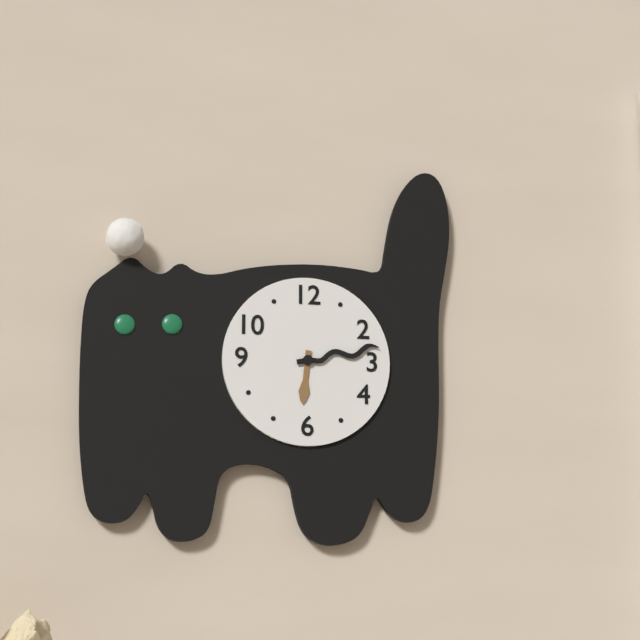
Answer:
6h13
